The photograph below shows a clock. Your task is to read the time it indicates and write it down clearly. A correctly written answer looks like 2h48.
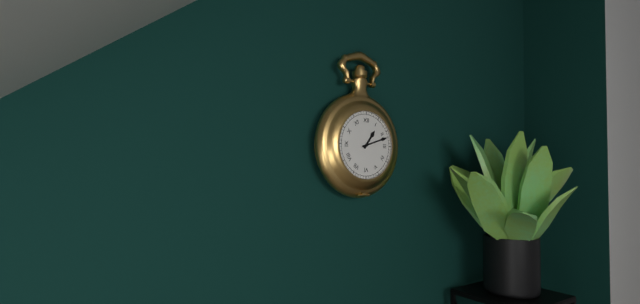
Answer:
1h12
